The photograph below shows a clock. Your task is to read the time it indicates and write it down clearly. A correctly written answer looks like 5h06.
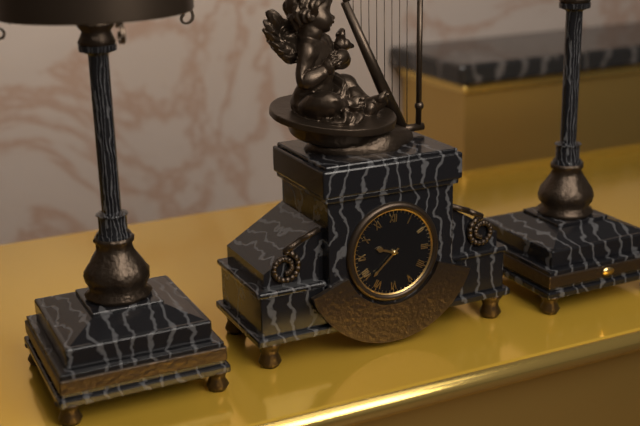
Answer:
9h38
